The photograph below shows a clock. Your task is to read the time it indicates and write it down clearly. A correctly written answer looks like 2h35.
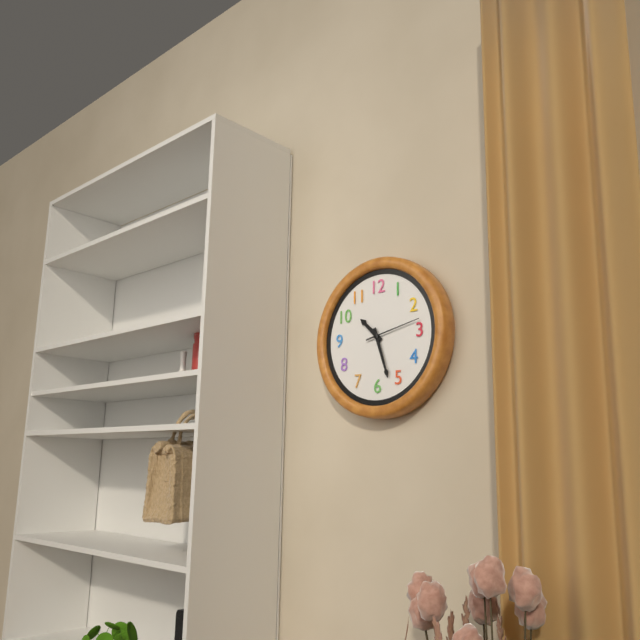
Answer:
10h27
